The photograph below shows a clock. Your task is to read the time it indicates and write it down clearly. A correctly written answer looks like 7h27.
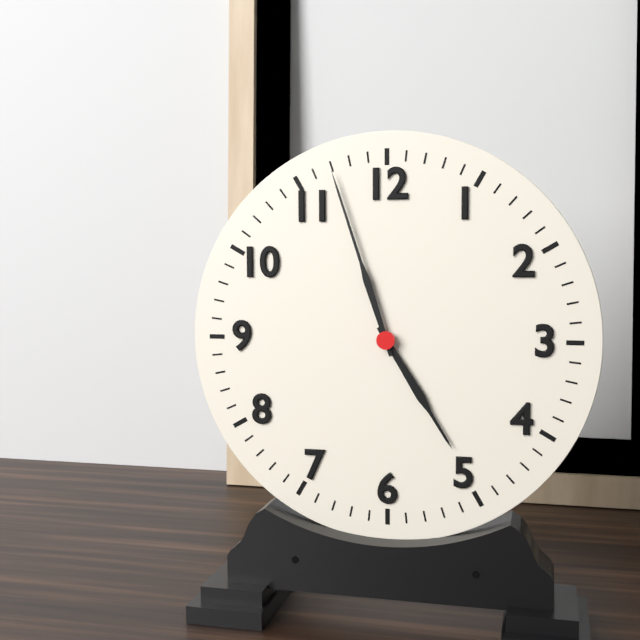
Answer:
4h57
